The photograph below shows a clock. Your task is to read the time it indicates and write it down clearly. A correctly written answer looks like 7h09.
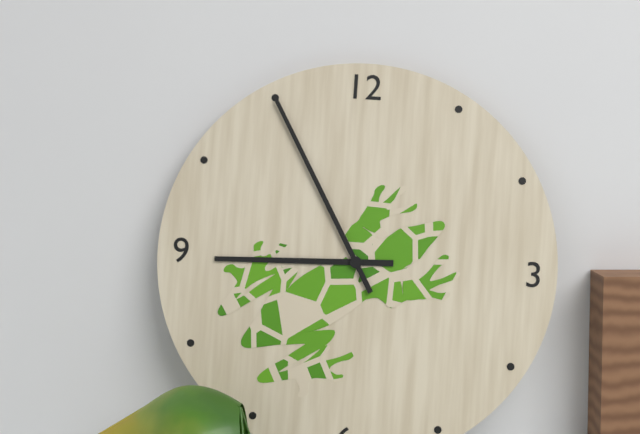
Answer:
8h55
